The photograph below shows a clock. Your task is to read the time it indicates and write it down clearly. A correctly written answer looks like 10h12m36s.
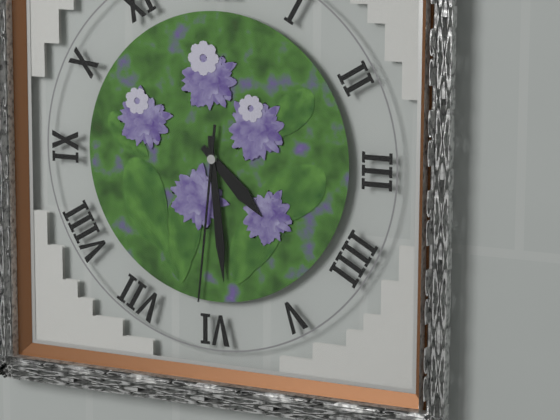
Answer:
4h29m31s
